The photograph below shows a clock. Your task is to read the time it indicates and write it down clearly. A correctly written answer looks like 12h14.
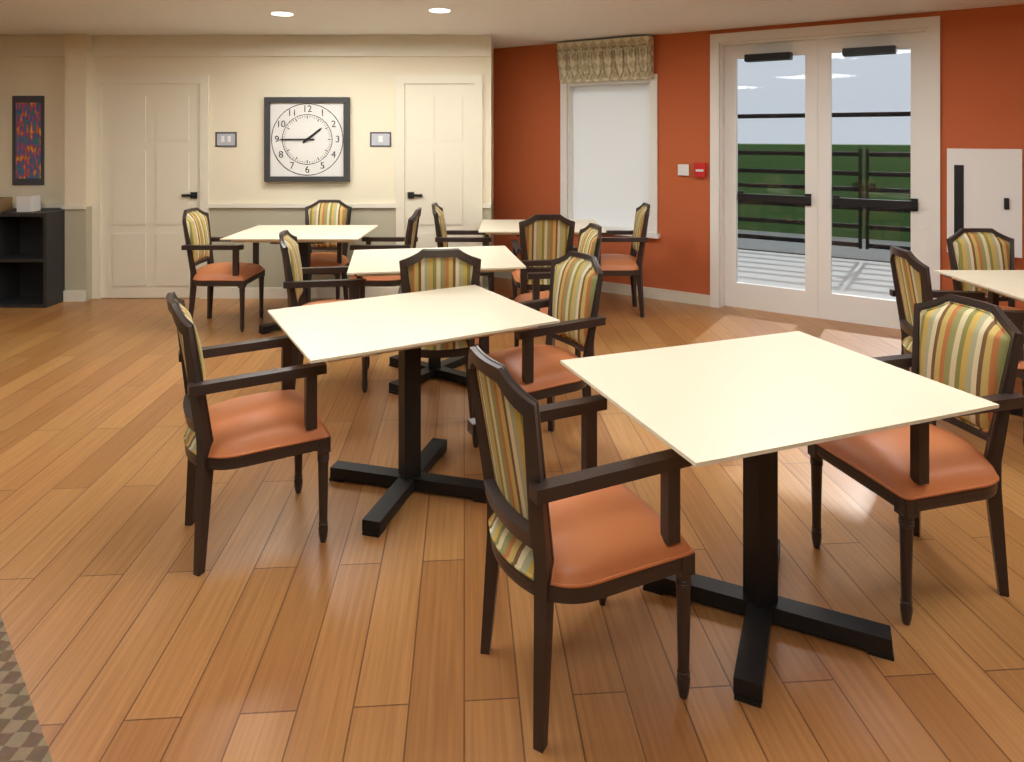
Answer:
1h45
